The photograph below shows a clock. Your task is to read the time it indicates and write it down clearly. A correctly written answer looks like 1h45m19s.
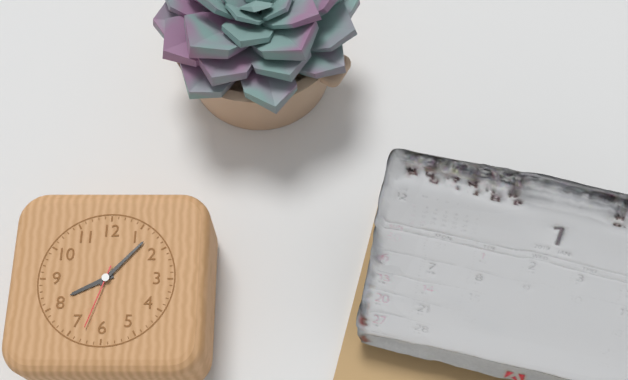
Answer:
8h07m33s
